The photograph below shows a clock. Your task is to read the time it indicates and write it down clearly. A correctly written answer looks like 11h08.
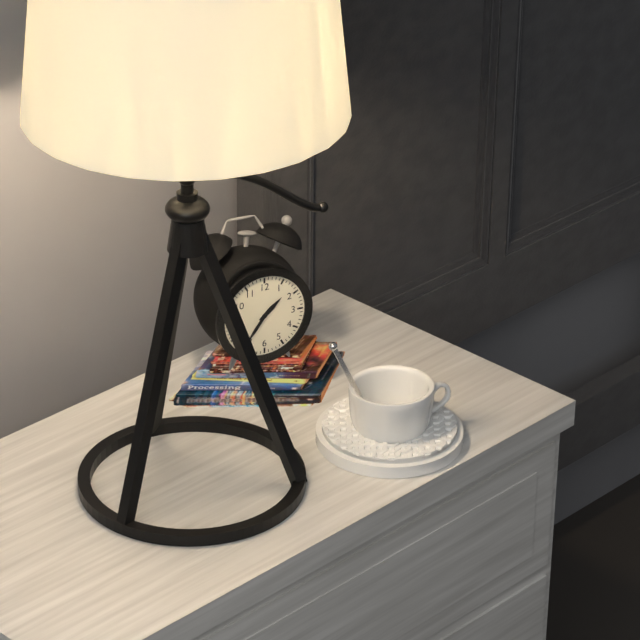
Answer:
1h36
